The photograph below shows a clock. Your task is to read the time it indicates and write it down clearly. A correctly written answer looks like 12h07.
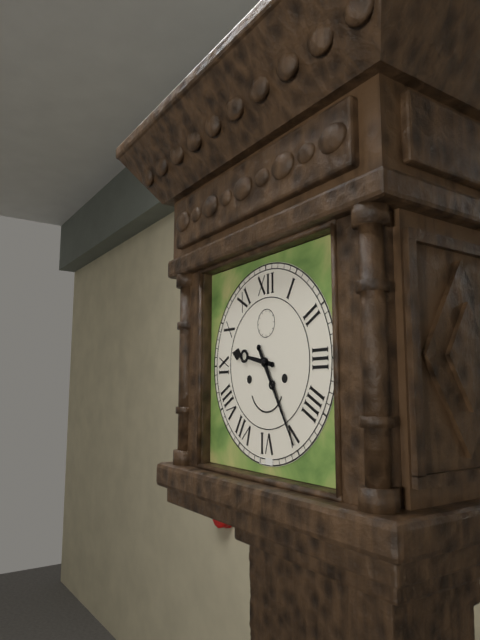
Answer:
9h25
